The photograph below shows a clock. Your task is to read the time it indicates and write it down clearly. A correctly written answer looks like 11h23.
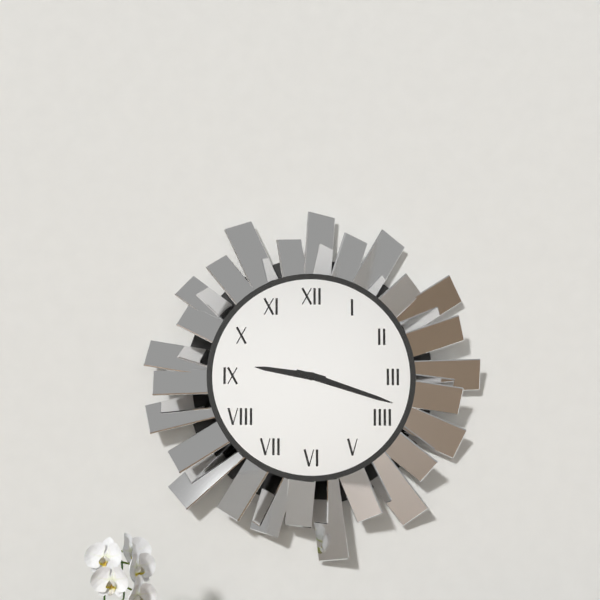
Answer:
9h18
